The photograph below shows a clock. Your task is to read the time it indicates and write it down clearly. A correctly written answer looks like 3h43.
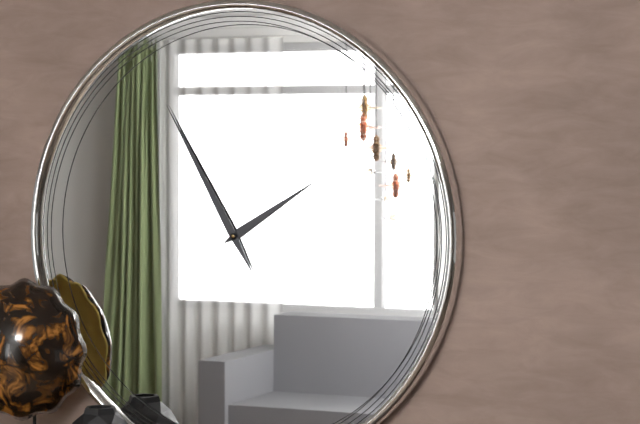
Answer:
1h55
